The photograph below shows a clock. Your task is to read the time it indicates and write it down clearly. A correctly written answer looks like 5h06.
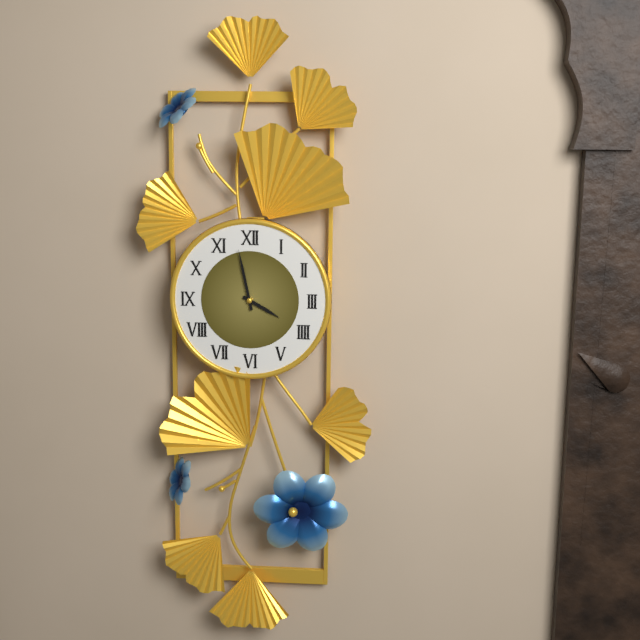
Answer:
3h58
